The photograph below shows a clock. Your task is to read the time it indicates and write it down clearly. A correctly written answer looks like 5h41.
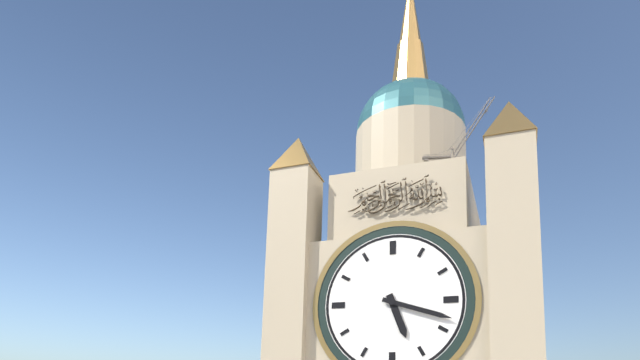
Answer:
5h18
